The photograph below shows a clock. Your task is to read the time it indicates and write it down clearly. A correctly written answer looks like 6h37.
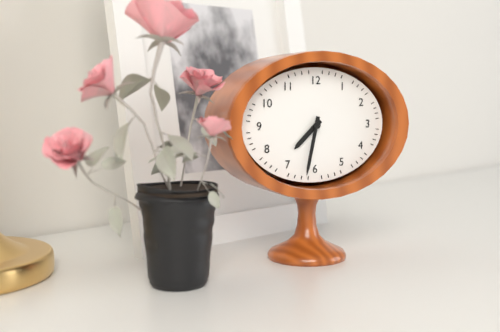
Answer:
7h32
